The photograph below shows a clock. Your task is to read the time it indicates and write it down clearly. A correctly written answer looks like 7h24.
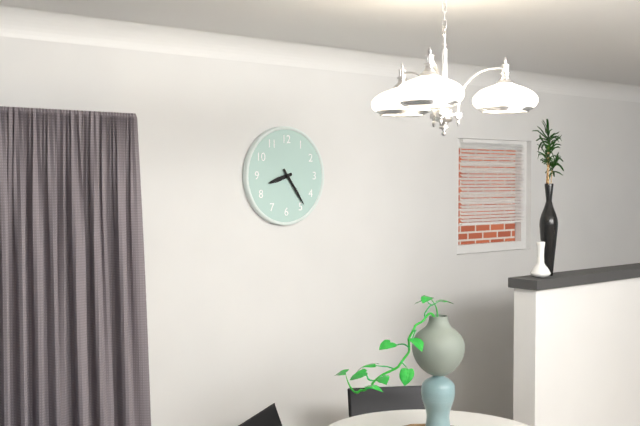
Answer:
8h24
